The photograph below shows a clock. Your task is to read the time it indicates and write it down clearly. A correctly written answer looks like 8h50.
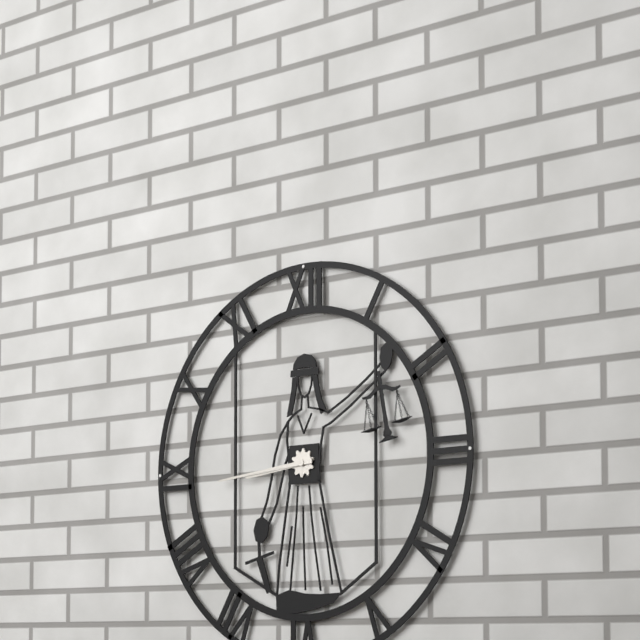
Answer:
8h44
